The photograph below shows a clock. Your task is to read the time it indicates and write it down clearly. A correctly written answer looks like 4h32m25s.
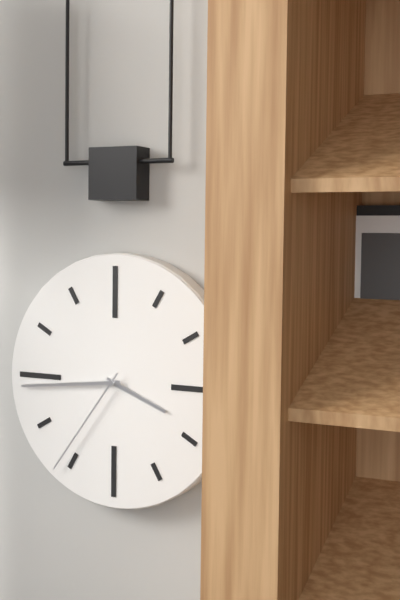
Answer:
3h44m36s
